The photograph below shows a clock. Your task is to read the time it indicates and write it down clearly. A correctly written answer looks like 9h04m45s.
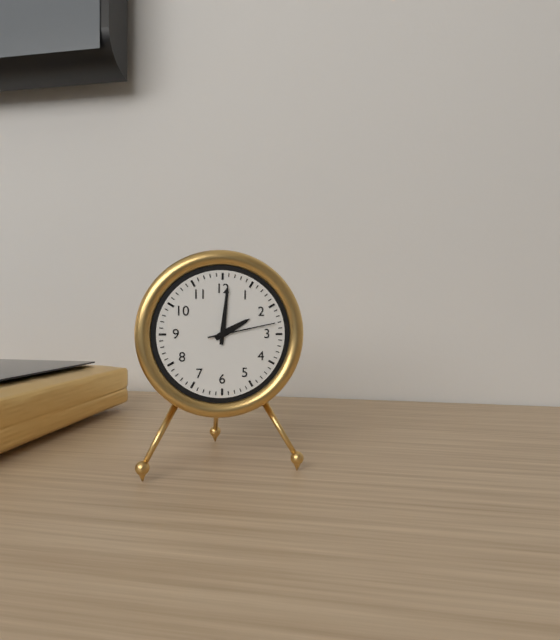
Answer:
2h01m13s
